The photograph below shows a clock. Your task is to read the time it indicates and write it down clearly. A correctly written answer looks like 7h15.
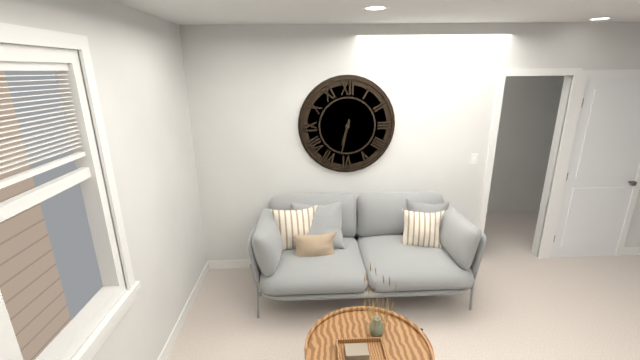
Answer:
6h32
